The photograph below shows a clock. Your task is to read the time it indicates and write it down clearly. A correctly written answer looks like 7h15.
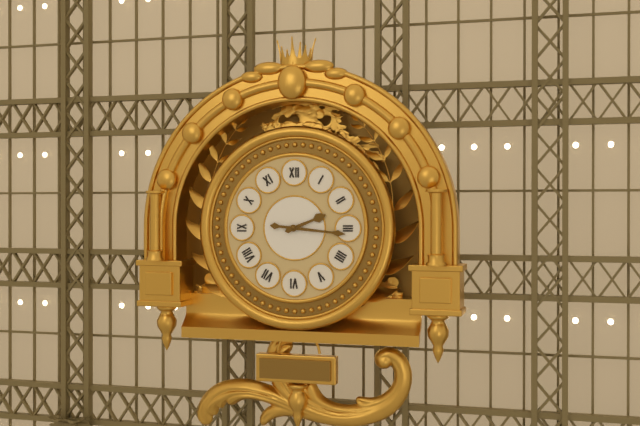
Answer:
2h16
